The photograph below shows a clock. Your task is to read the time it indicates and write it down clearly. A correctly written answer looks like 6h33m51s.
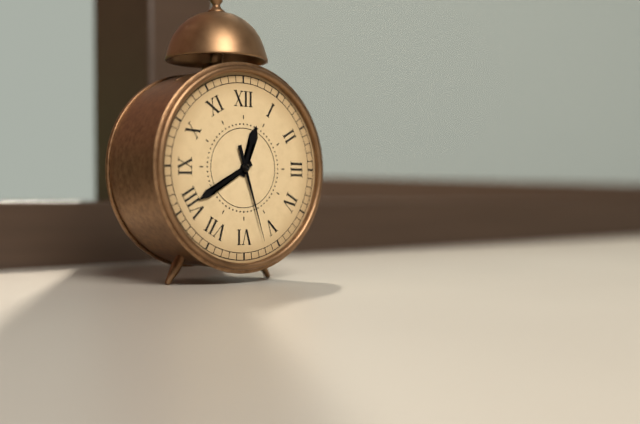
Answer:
12h40m27s
